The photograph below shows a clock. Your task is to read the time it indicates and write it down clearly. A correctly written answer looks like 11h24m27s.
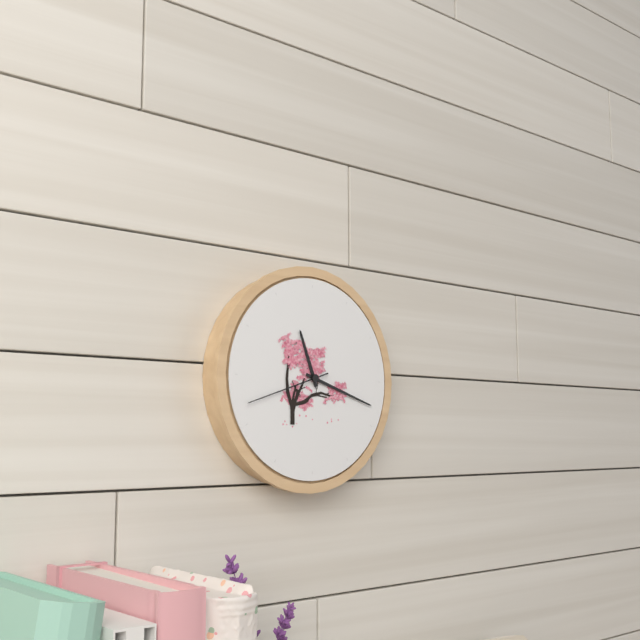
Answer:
11h18m42s
